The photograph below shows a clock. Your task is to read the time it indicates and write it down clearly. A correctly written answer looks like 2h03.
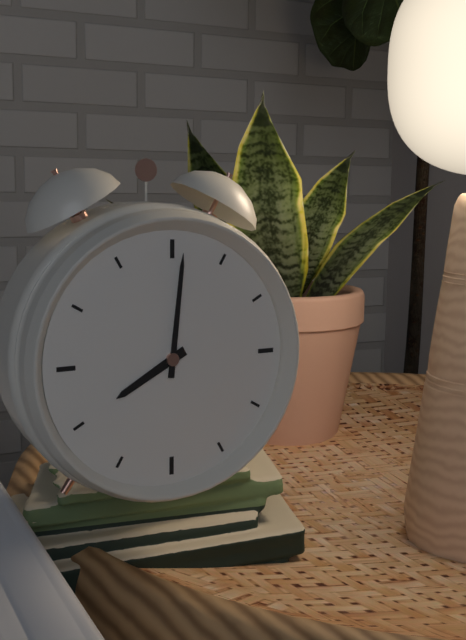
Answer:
8h01
